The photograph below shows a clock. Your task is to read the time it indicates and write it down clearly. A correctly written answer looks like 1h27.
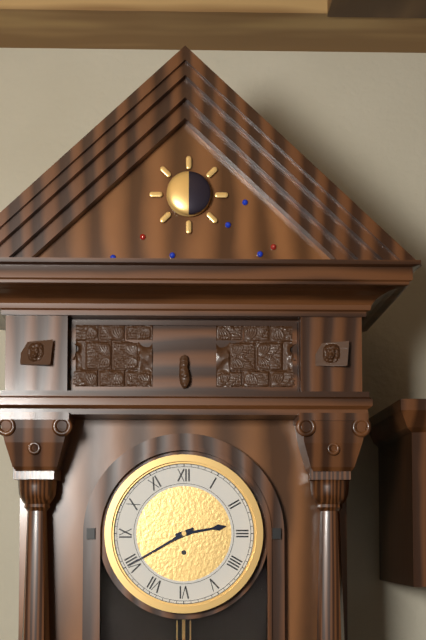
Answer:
2h40
